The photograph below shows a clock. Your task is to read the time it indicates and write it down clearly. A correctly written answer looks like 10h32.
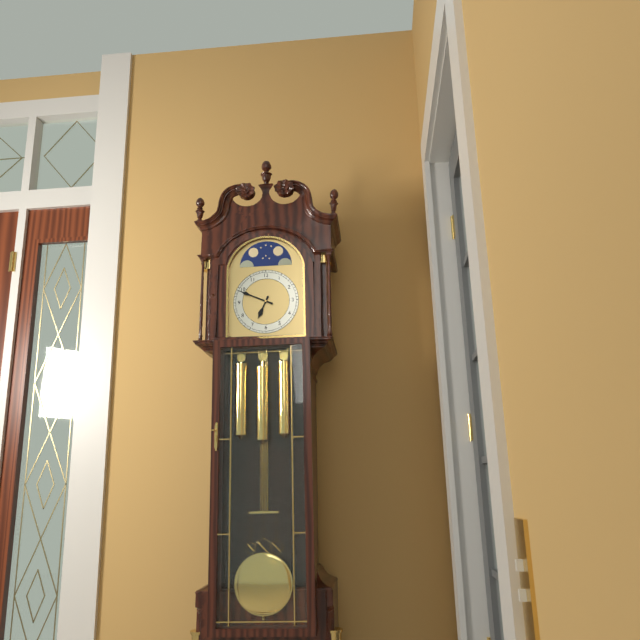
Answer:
6h49
